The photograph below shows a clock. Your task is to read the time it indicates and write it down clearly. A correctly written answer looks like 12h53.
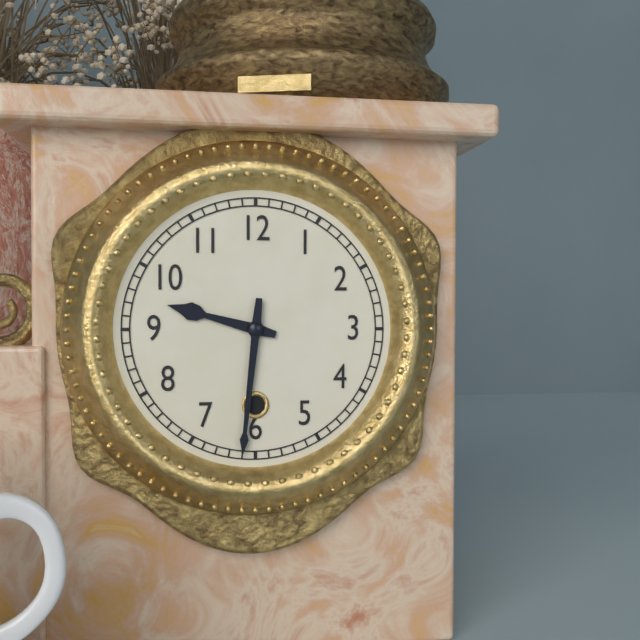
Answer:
9h31
